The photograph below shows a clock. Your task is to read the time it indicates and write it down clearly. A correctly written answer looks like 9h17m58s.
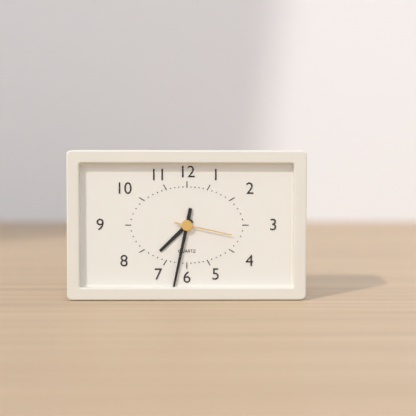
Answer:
7h32m17s
